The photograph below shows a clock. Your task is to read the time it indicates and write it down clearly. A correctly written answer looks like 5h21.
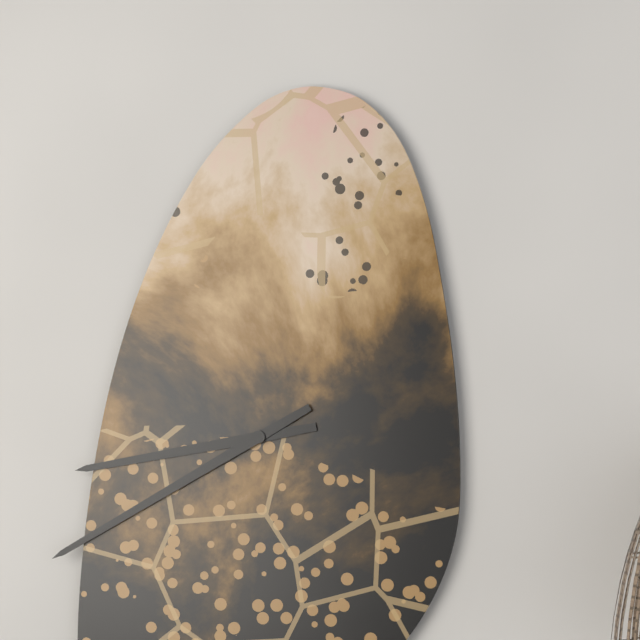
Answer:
8h40
